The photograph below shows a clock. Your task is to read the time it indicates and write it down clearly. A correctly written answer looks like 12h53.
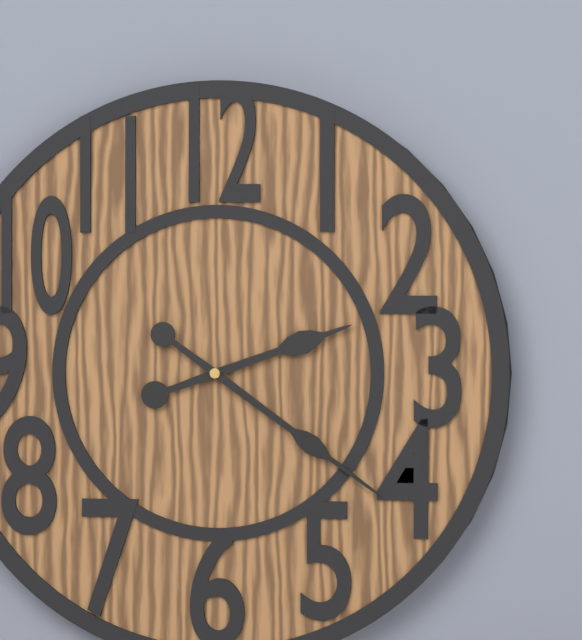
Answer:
2h21
